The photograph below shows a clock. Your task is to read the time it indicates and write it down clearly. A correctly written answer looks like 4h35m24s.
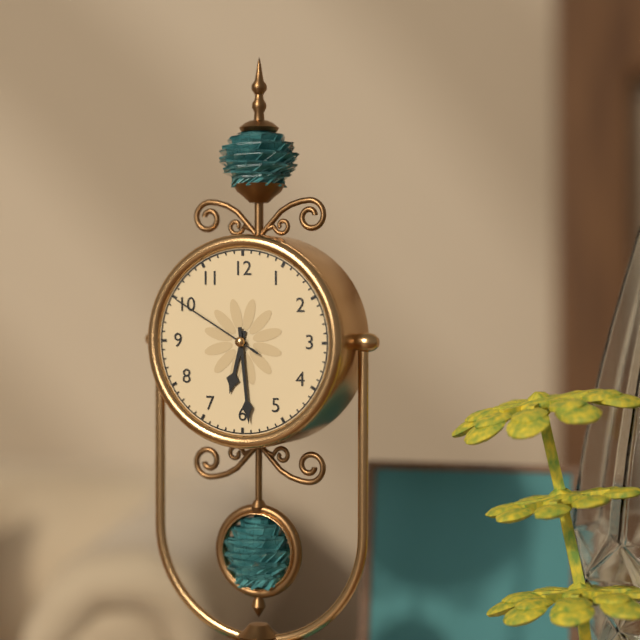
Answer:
6h29m50s
